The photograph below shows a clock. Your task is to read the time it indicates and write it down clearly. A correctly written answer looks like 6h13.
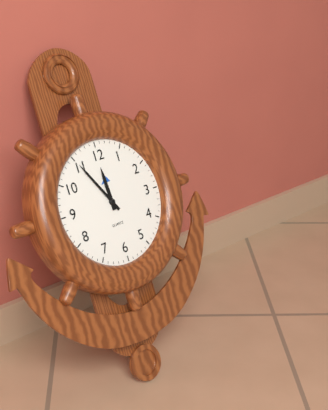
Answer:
11h55
